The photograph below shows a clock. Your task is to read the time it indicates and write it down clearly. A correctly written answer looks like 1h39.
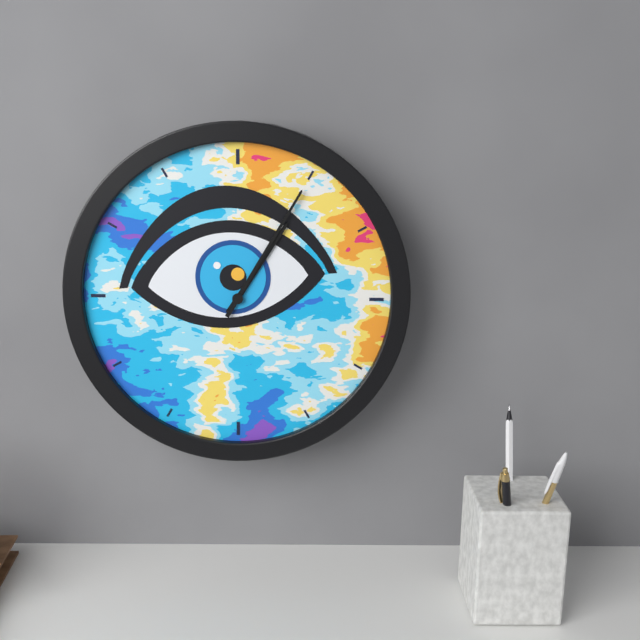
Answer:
1h05
